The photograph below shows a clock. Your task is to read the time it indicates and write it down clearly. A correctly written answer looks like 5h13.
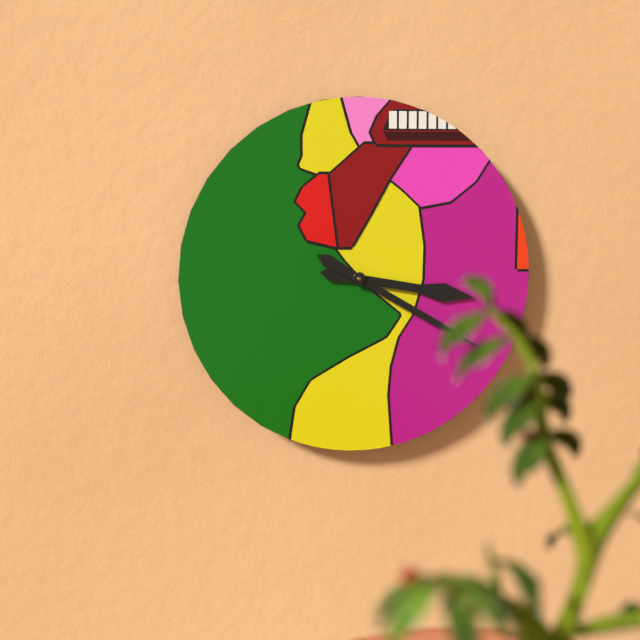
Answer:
3h20
